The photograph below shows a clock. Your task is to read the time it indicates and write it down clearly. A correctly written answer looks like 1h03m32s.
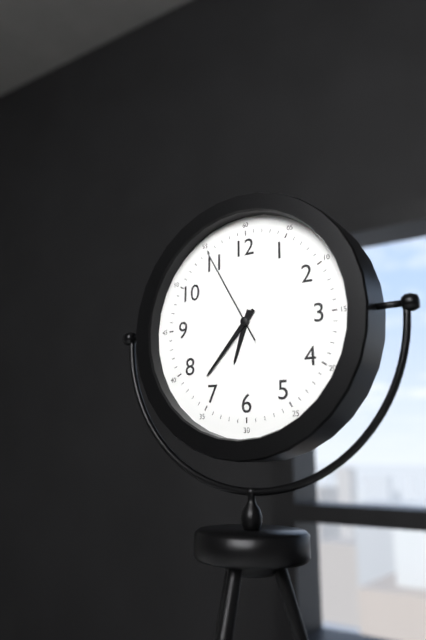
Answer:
6h37m55s
